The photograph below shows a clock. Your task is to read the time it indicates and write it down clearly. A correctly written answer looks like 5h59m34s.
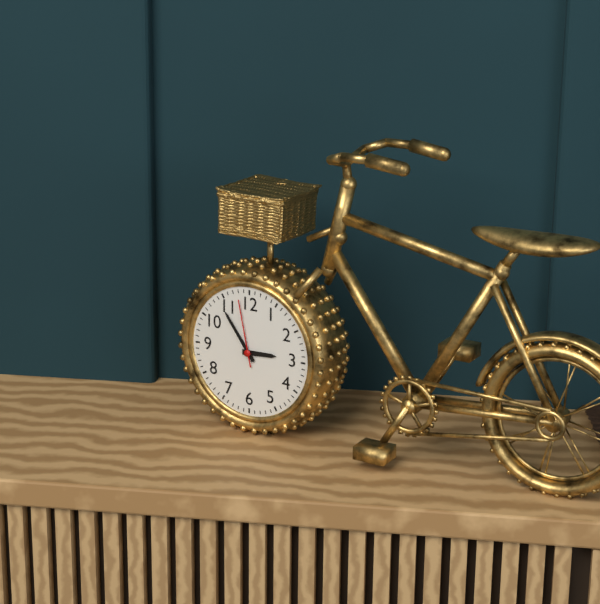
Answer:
2h54m58s
